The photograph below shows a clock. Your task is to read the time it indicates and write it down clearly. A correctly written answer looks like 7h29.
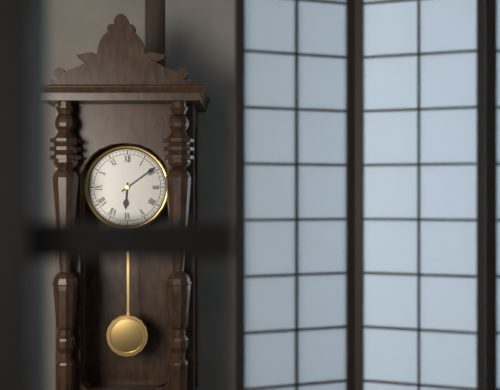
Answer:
6h09
